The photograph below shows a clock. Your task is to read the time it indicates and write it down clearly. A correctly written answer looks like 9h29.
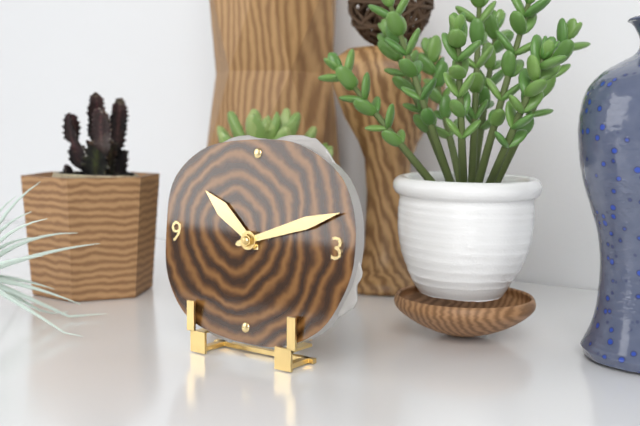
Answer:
10h12
